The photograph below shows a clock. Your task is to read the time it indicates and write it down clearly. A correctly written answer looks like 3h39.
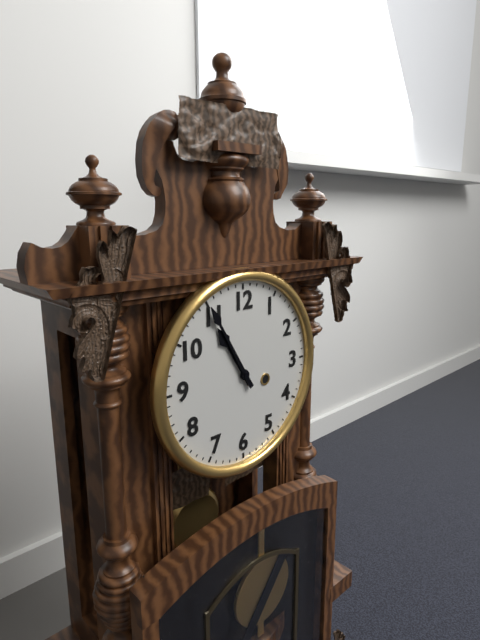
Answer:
10h55
